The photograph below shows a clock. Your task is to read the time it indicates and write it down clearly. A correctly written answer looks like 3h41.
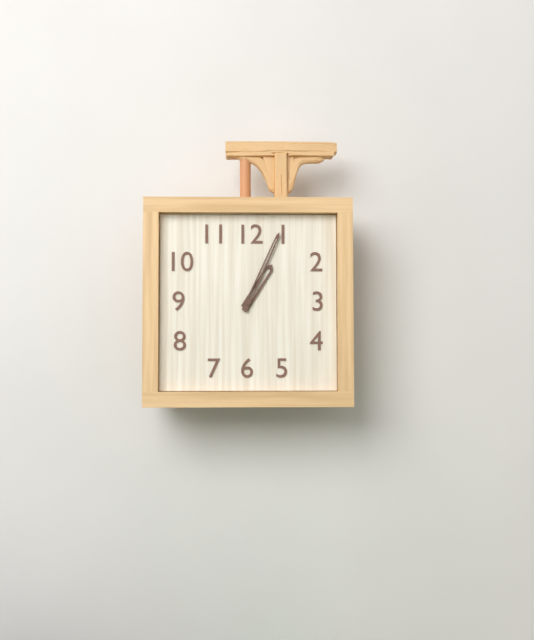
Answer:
1h04
